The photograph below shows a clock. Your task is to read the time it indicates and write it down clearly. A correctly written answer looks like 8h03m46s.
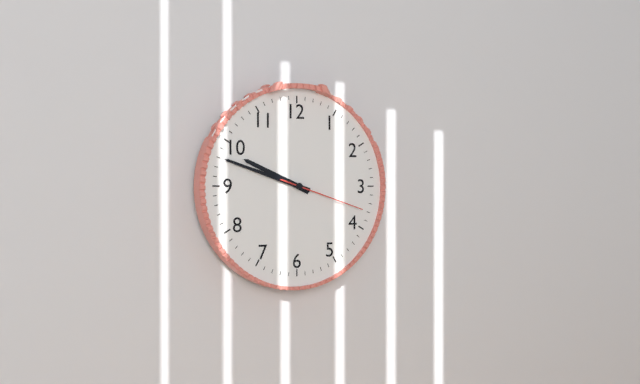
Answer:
9h48m18s
